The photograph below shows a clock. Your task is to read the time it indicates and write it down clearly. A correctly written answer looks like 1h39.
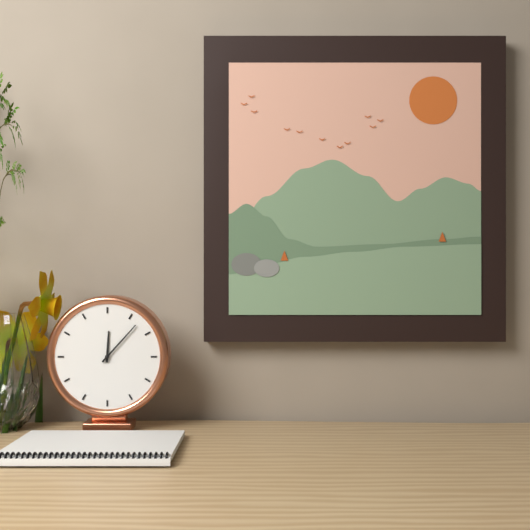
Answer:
12h07
